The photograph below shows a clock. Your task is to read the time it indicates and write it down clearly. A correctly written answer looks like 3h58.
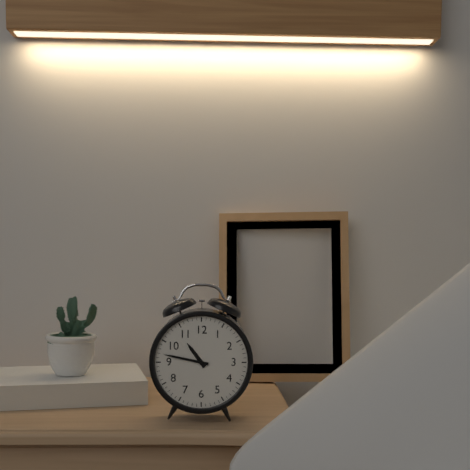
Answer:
10h47
